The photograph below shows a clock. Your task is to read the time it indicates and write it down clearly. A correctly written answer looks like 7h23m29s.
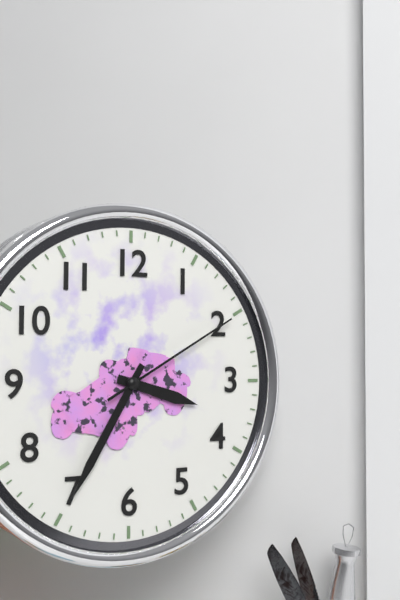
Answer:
3h35m10s
